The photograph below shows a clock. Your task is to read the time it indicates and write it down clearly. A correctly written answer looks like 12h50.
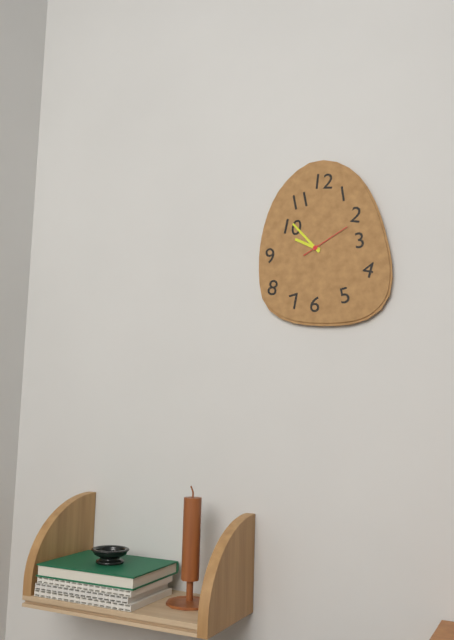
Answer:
9h53
